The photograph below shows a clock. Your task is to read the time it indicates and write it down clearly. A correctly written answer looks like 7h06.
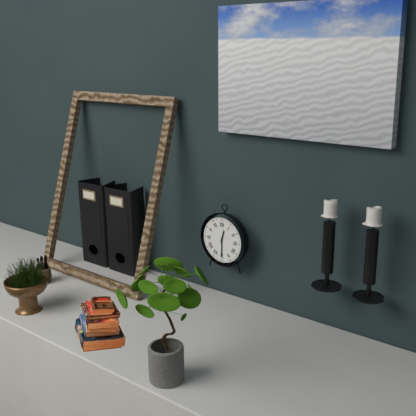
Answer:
12h30
